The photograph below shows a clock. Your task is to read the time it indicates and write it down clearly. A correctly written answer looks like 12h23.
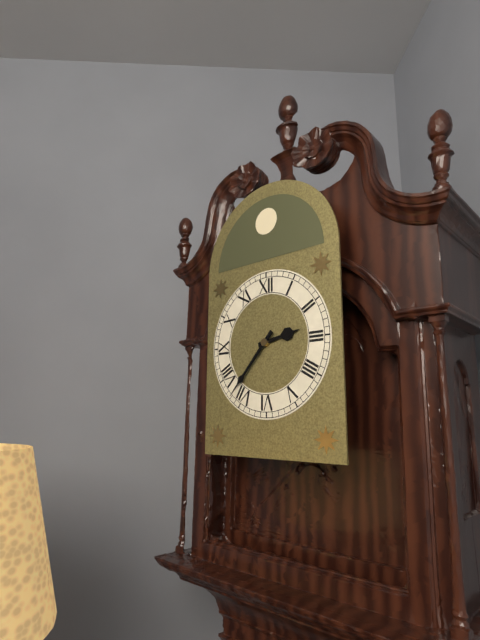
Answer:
2h37
